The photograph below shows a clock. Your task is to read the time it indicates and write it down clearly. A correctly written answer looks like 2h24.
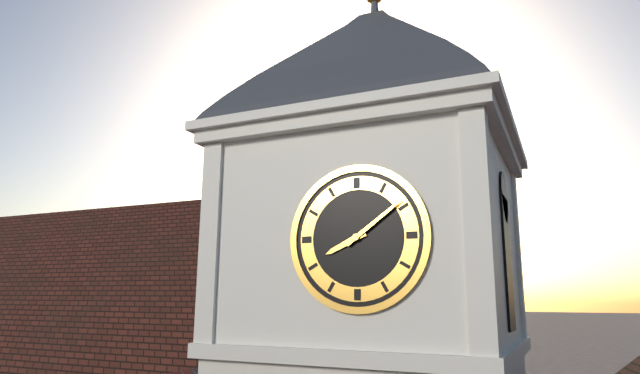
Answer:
8h09
